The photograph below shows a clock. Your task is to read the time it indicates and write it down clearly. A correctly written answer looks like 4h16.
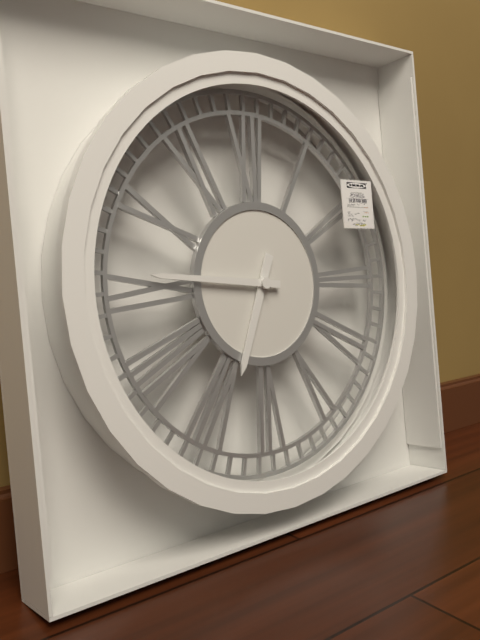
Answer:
6h46
